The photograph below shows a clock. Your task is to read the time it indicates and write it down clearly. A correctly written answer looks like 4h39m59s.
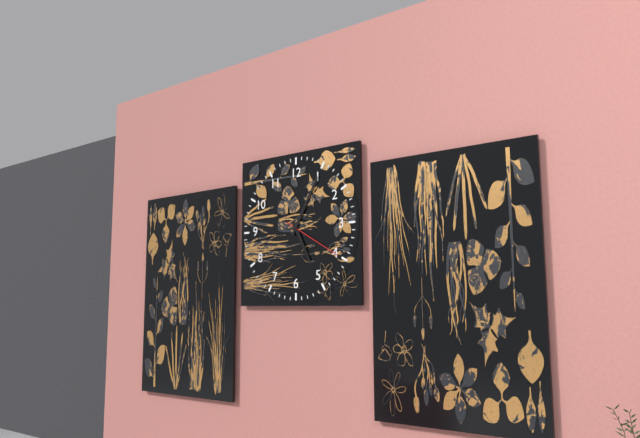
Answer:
5h05m20s
